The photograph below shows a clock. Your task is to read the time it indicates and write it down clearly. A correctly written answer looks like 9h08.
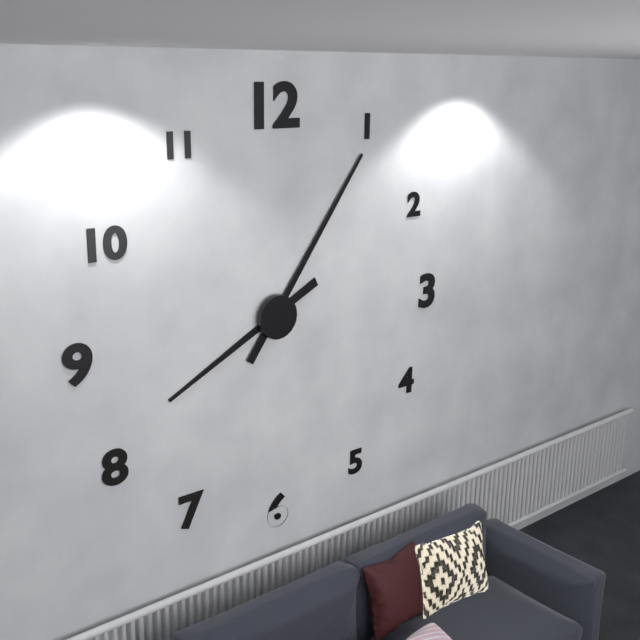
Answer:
8h06
